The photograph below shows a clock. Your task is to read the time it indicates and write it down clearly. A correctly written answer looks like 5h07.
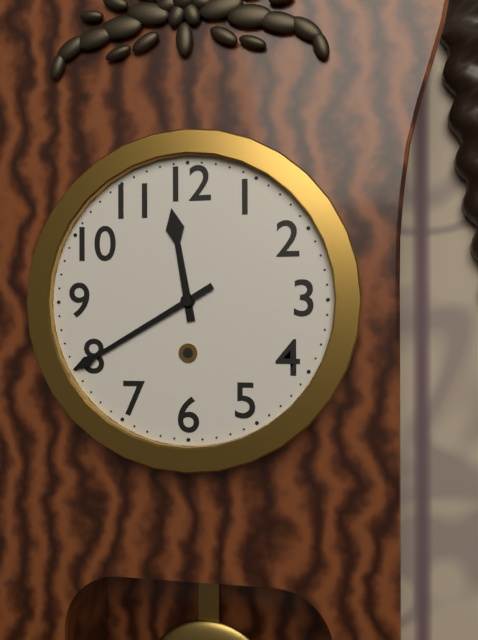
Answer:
11h40
